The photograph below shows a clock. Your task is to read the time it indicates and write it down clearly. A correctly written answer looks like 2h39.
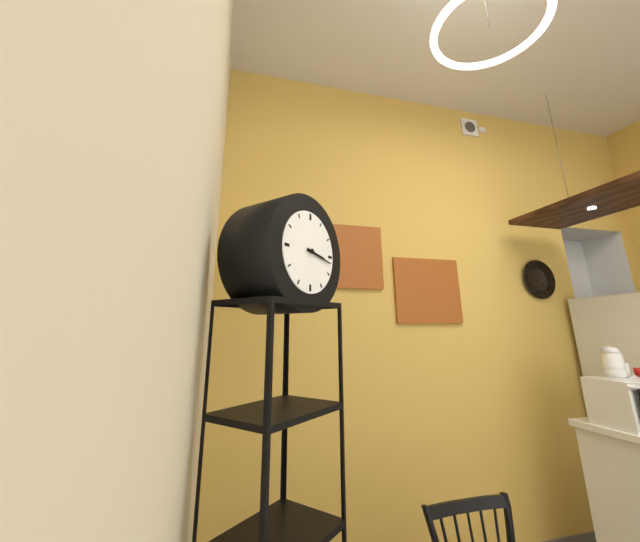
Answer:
3h17
